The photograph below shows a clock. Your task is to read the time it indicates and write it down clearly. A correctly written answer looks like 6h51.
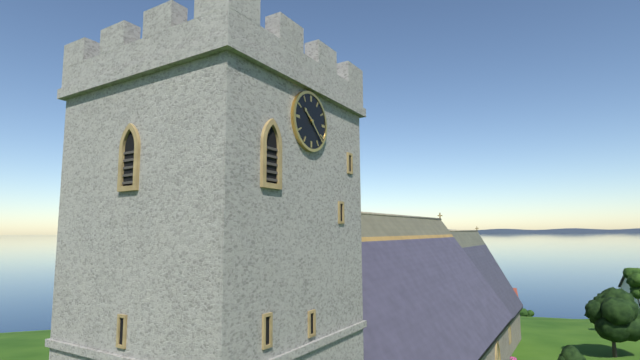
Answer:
10h22
